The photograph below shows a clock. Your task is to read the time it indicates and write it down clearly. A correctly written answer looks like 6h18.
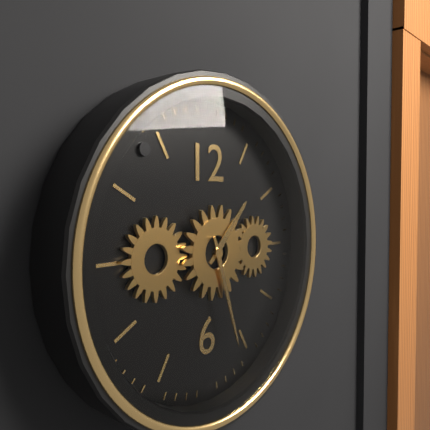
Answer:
1h27
